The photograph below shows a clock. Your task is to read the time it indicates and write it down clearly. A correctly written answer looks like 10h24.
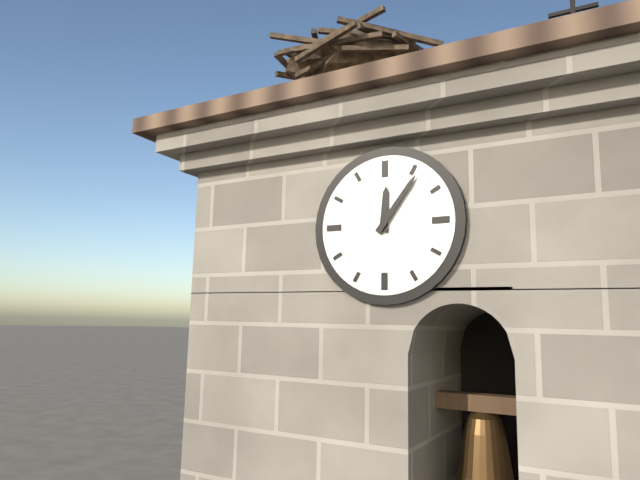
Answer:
12h06
